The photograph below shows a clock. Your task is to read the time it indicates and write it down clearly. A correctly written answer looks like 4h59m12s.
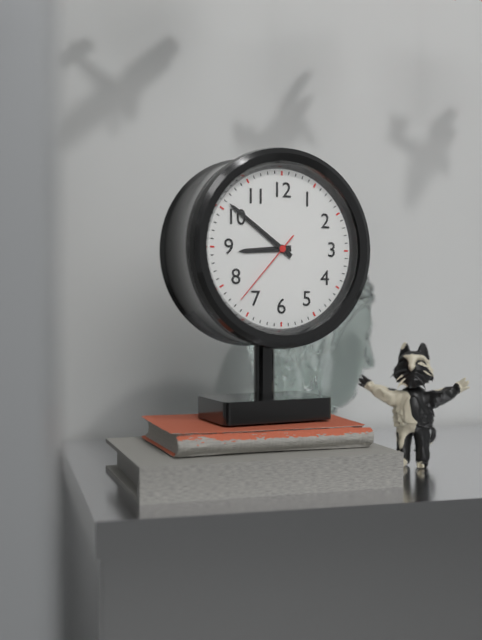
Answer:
8h51m37s
